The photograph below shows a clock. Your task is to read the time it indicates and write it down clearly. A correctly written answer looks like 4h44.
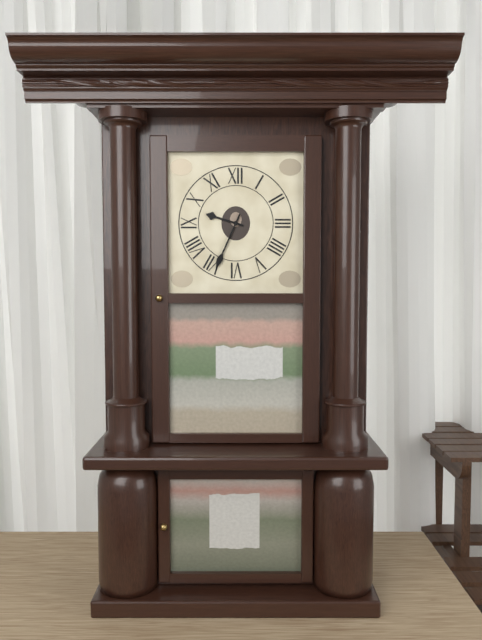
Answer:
9h34
